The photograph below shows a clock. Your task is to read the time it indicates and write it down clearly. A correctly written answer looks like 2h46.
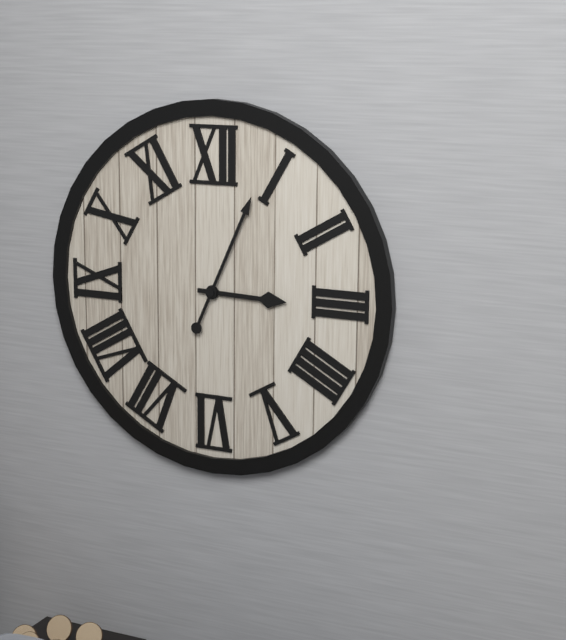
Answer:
3h04
